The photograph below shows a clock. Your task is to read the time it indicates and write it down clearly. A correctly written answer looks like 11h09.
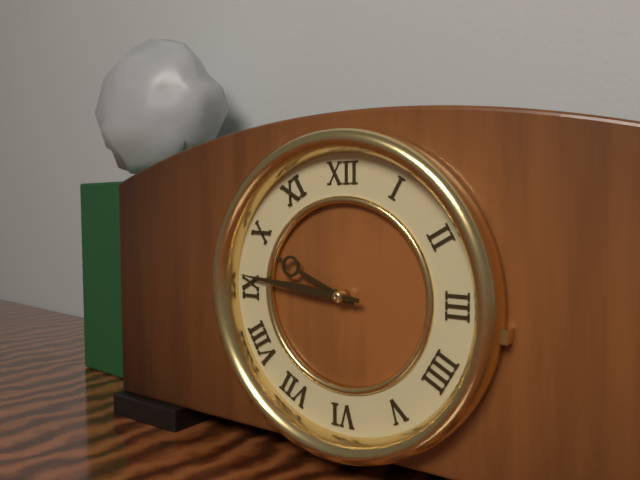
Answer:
9h46
